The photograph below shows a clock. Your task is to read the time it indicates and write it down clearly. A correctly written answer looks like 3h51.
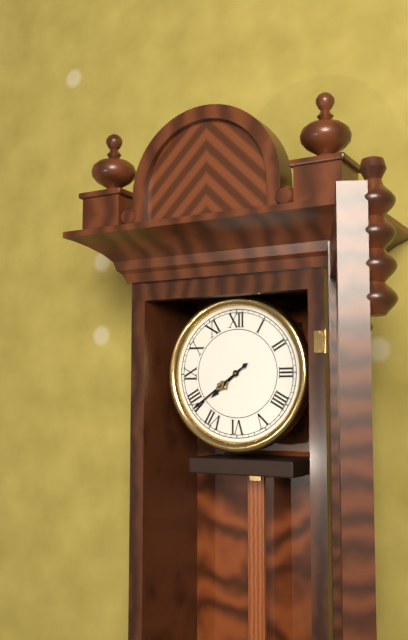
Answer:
7h39
